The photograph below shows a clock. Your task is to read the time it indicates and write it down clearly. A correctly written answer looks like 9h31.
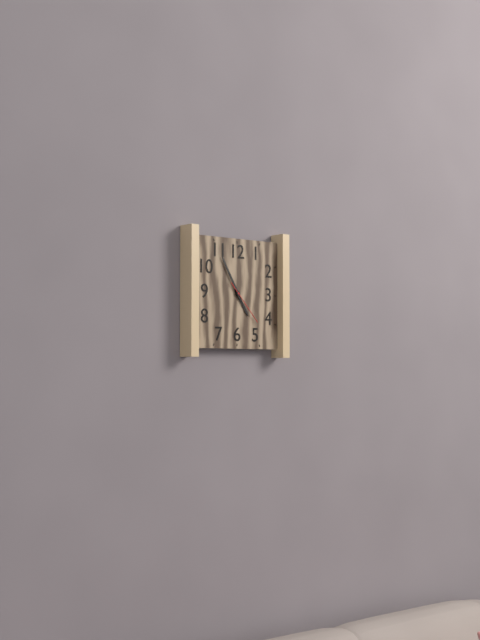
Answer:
4h55
